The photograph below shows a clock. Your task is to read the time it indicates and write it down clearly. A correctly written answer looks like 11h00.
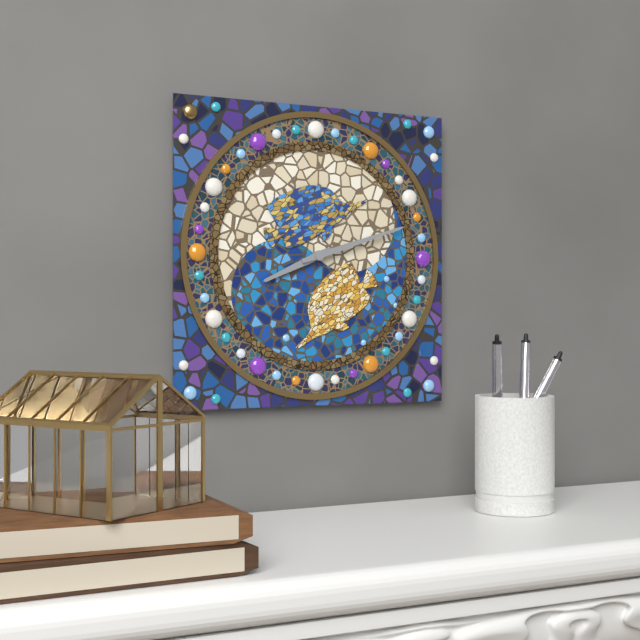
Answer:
8h12
